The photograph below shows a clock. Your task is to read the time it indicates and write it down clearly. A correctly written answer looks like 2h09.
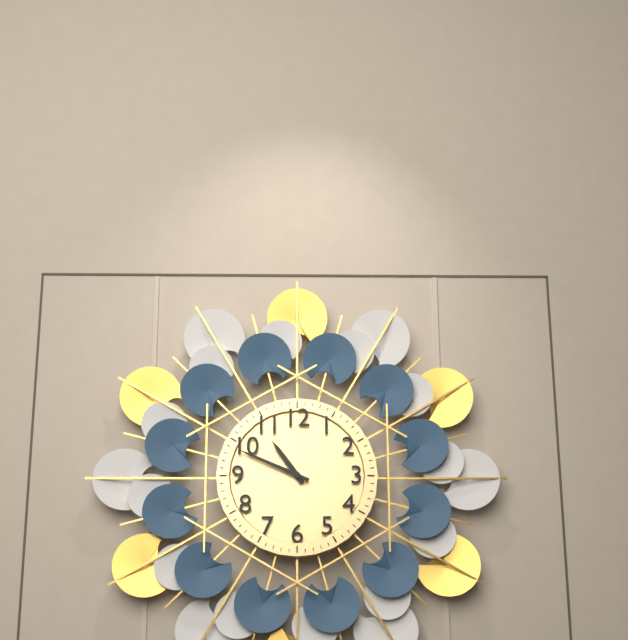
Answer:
10h49
